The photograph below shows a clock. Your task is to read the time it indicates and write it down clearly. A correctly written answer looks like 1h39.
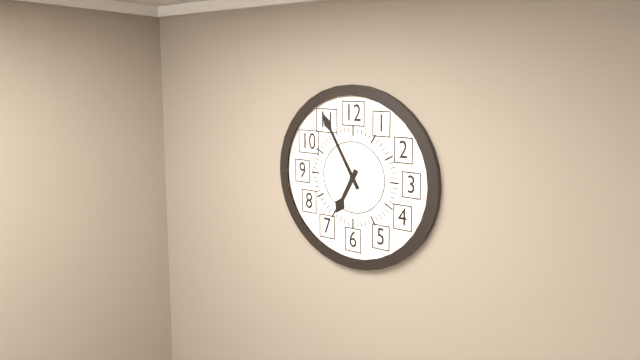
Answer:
6h55
